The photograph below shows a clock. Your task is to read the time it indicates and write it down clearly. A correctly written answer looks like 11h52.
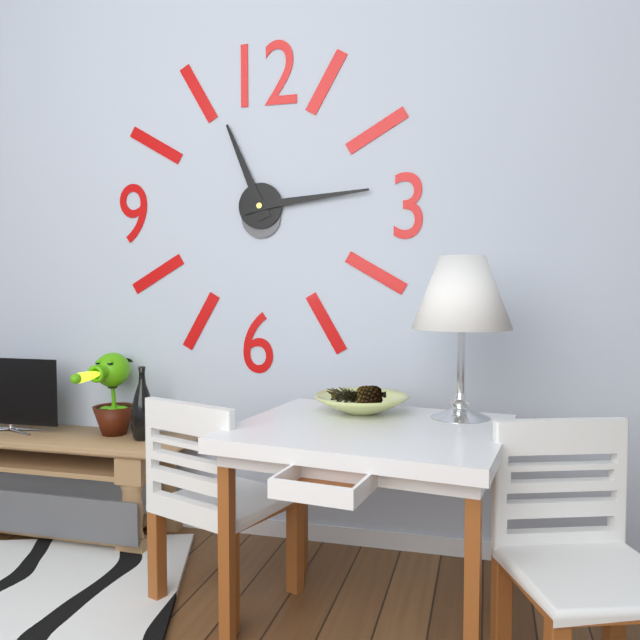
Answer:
11h14
